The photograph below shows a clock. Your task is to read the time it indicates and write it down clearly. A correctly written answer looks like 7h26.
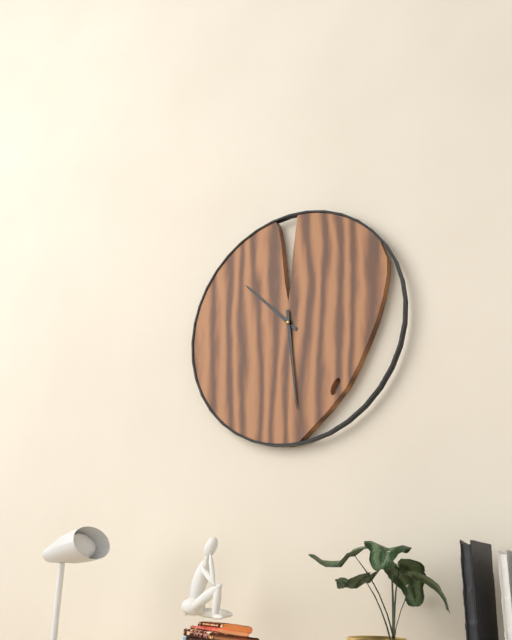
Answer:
10h29
